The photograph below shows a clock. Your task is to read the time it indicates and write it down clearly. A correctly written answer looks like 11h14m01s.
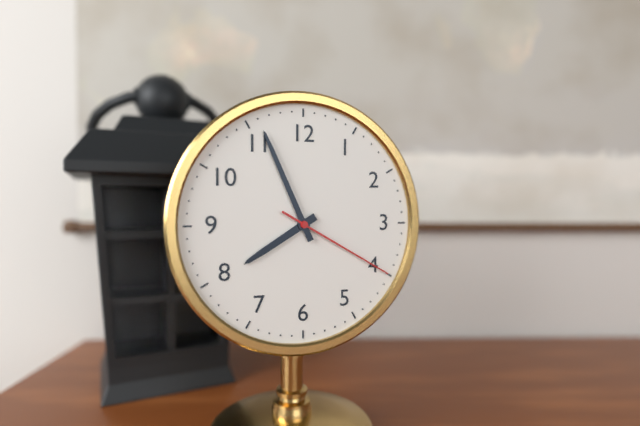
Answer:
7h56m20s
